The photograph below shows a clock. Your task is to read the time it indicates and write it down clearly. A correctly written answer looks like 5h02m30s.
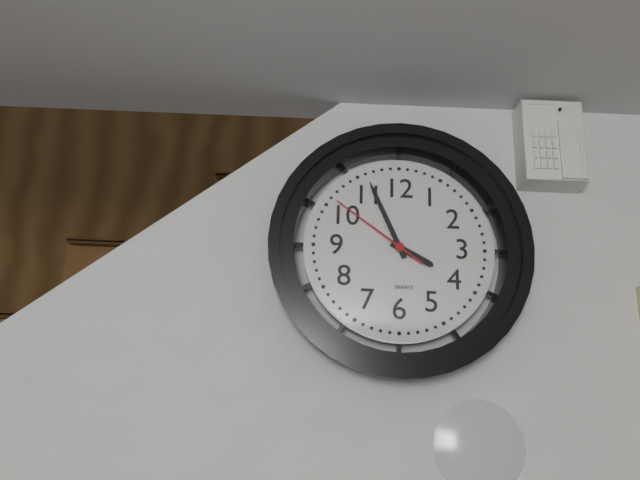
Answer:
3h56m51s
